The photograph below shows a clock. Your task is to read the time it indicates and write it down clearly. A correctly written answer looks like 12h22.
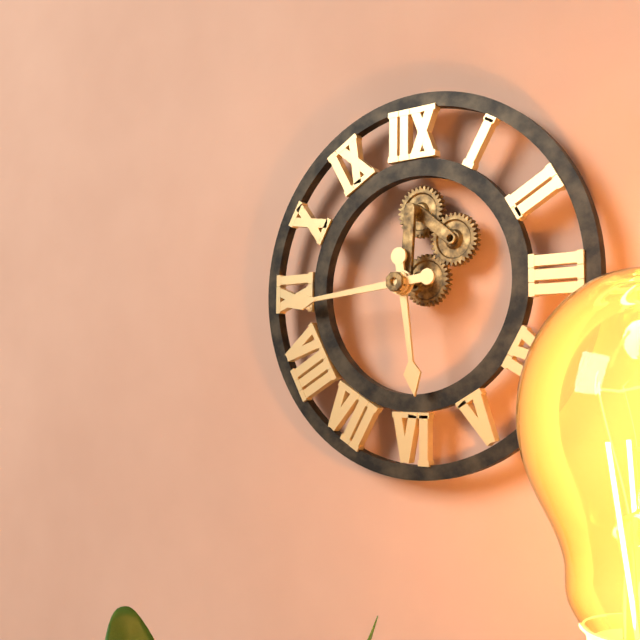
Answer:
5h44
